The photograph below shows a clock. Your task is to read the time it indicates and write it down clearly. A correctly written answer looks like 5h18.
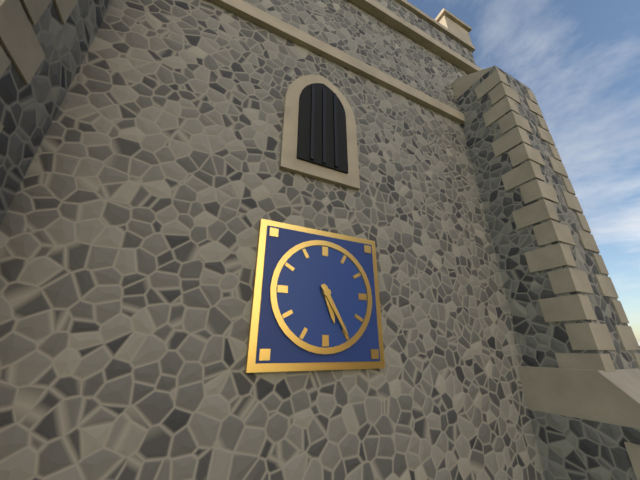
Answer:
5h25
